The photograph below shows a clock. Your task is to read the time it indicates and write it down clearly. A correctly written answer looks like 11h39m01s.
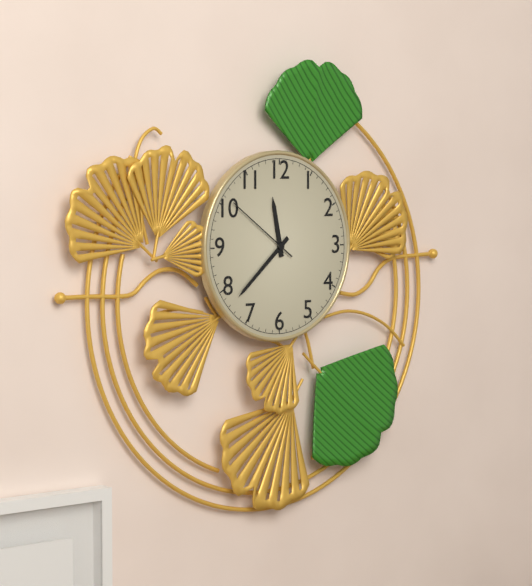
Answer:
11h38m51s
